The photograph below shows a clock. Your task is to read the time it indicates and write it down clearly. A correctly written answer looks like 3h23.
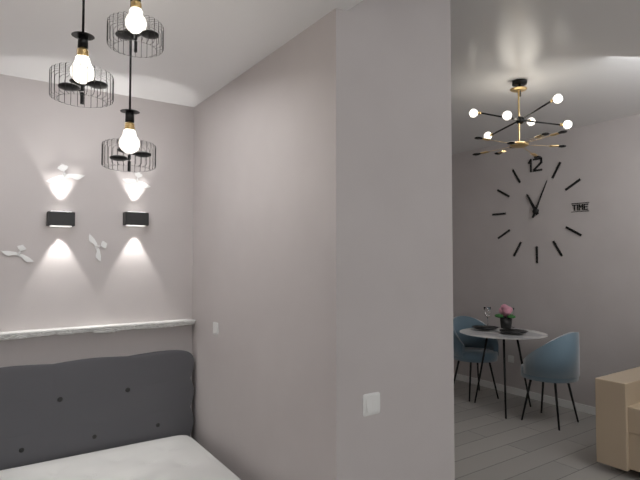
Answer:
11h04
